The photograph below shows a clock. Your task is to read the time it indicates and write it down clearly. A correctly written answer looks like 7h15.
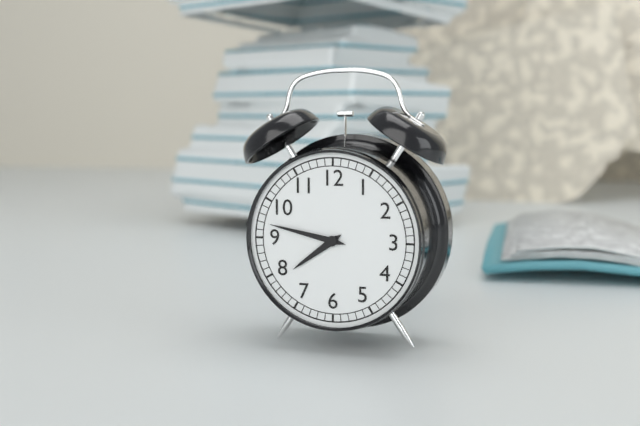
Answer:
7h47
